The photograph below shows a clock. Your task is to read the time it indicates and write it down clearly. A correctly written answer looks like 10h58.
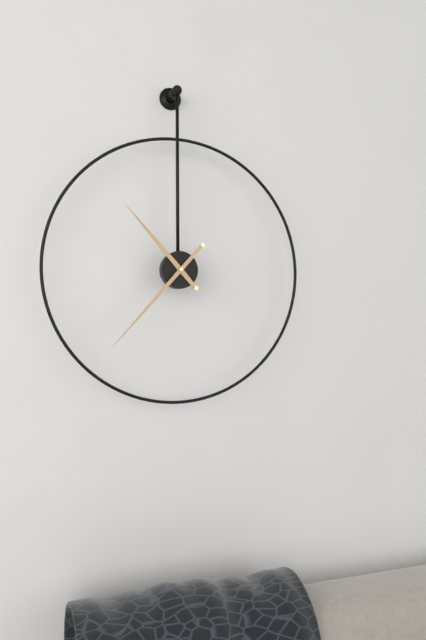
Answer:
10h37
